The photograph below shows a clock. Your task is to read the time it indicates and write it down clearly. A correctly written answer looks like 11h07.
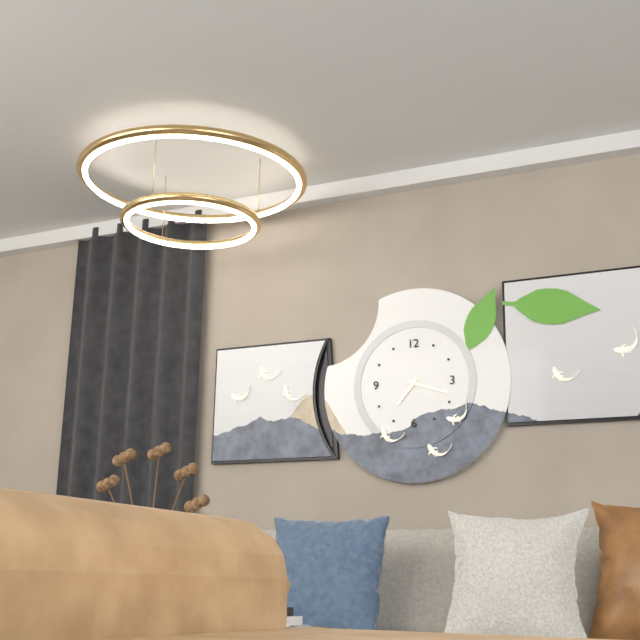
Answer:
7h18
